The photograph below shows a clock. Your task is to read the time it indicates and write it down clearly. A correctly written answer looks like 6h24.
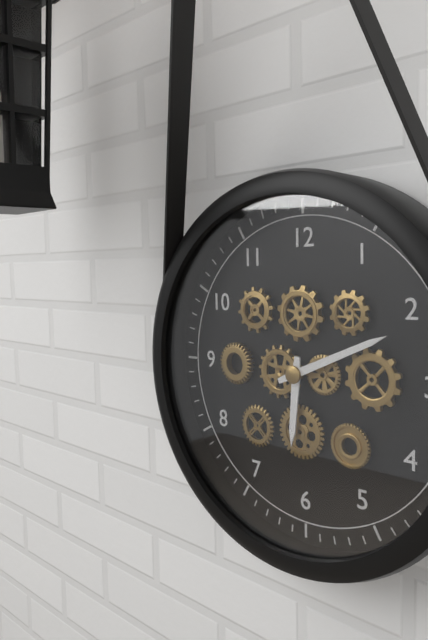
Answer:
6h11
